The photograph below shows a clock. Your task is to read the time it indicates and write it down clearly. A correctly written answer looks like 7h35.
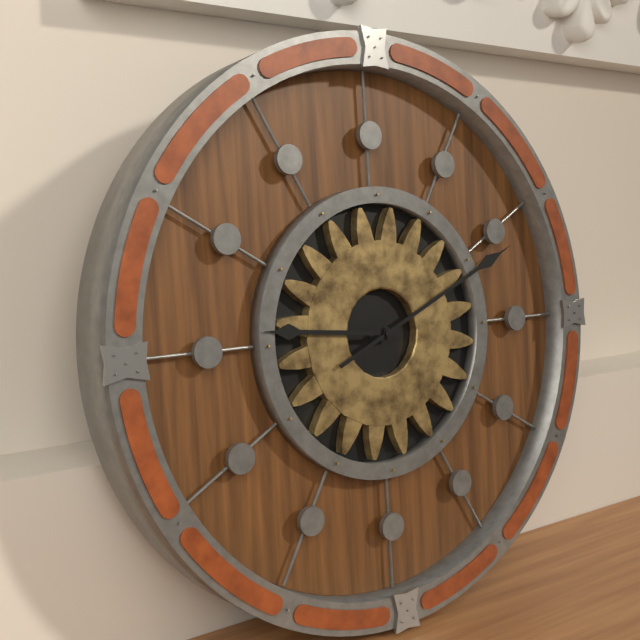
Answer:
9h11
